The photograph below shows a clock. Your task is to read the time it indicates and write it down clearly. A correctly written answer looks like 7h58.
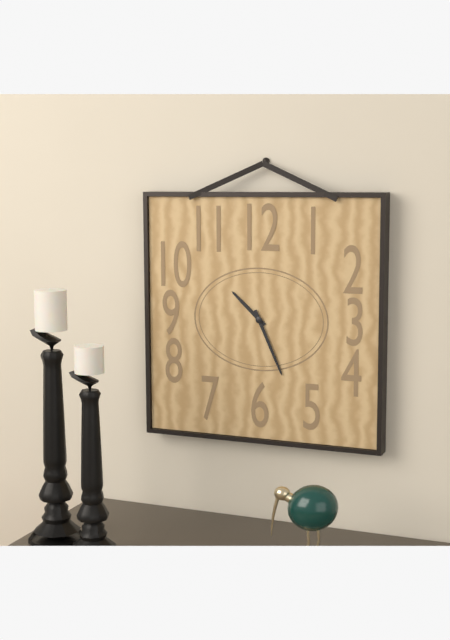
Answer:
10h26
